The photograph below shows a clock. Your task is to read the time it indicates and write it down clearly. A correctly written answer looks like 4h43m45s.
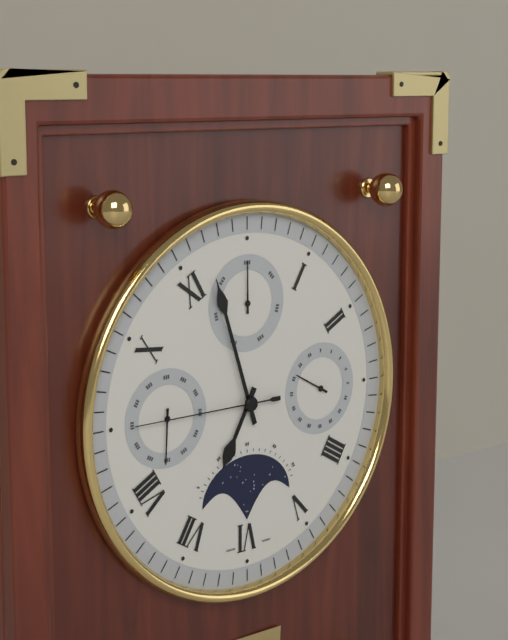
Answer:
6h57m45s
